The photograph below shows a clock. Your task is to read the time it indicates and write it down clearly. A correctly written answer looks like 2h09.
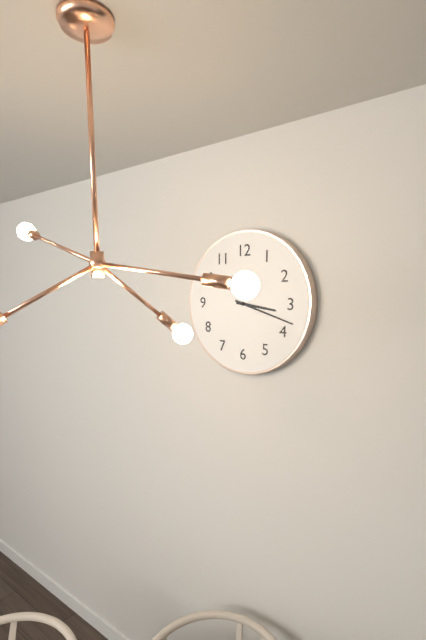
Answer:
3h18
